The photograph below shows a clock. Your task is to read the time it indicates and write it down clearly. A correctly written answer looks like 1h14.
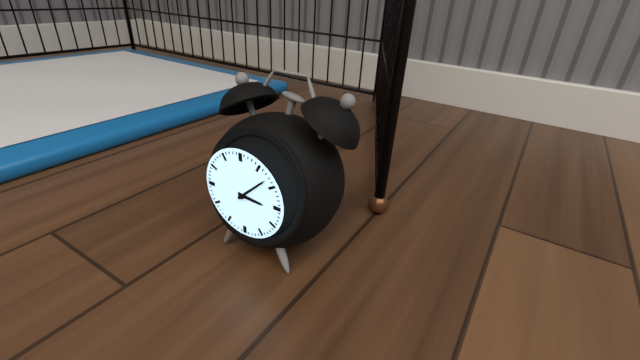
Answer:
3h08
